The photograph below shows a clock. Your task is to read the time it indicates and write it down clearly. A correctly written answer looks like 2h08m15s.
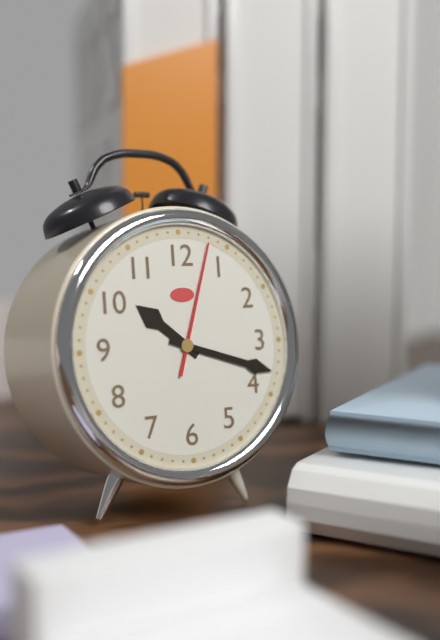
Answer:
10h18m03s
